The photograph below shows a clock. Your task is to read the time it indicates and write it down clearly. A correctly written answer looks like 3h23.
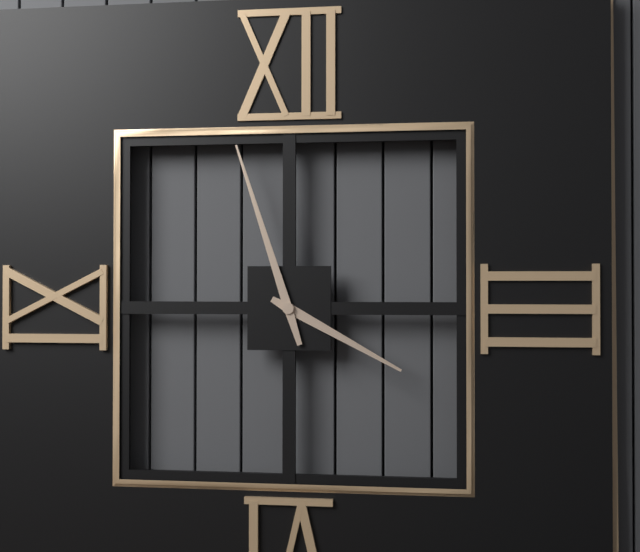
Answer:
3h57
